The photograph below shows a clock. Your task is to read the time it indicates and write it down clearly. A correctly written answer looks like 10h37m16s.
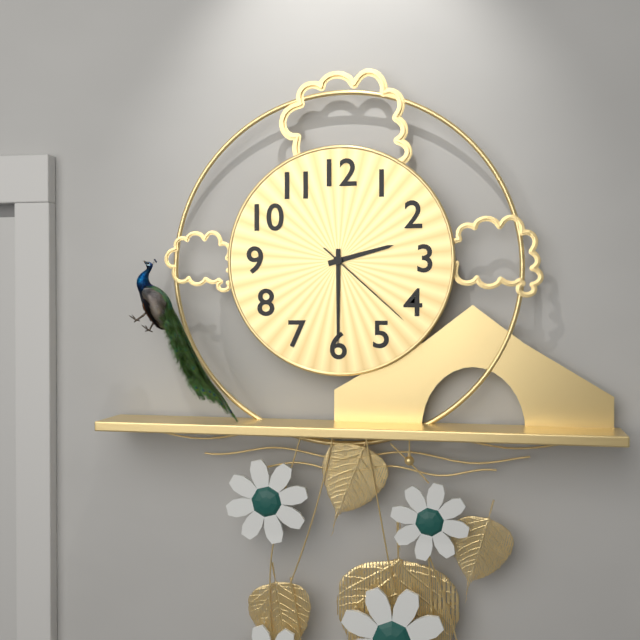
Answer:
2h30m22s
